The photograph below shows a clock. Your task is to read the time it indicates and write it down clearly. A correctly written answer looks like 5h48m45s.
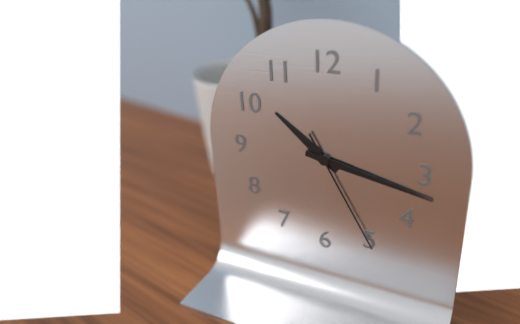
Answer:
10h17m25s
